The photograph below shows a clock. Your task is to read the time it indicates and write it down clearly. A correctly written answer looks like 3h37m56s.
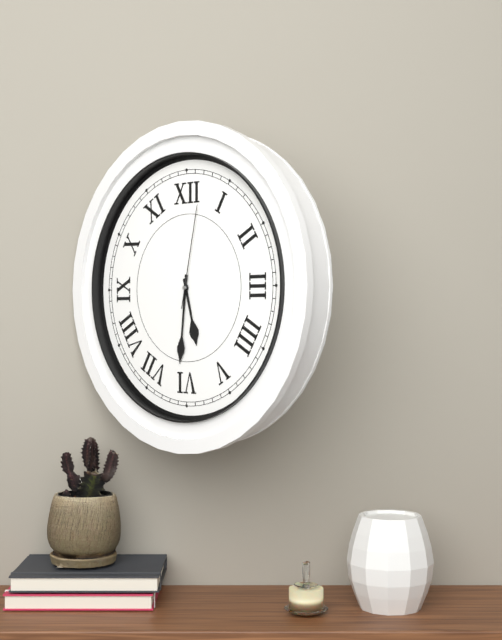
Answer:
5h31m02s
